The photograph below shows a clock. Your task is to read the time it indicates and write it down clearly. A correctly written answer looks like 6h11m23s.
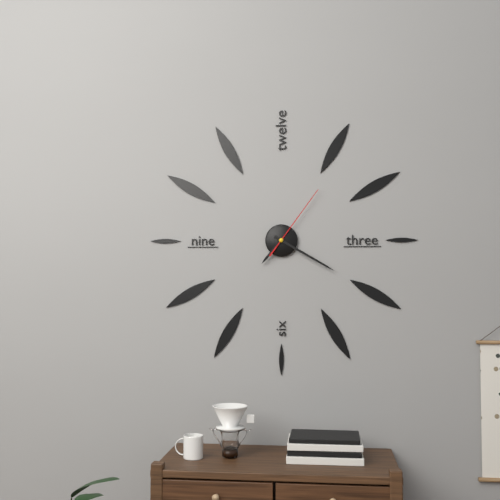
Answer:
7h20m06s
